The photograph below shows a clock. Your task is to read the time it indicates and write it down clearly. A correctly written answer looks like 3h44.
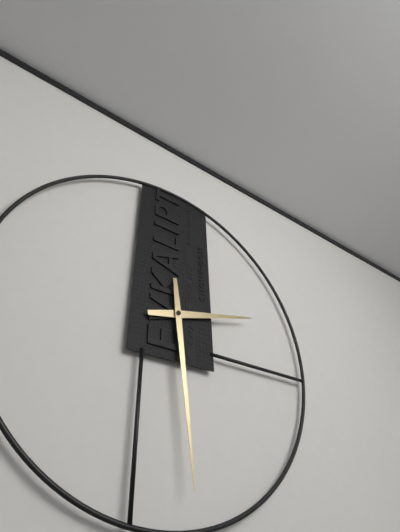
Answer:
2h29
